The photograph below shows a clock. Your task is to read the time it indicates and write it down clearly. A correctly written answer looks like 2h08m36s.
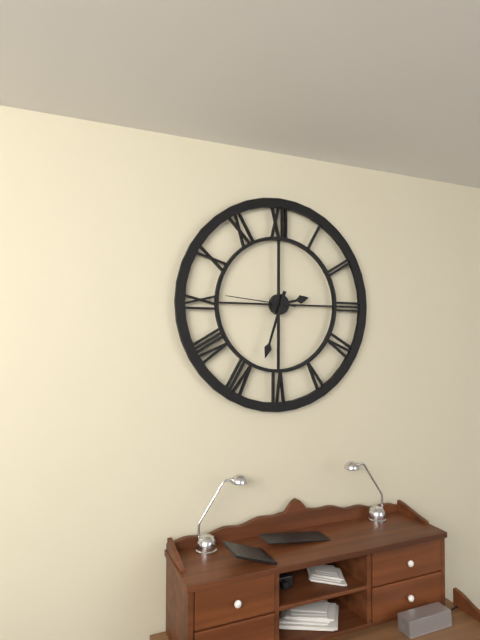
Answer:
2h33m46s
